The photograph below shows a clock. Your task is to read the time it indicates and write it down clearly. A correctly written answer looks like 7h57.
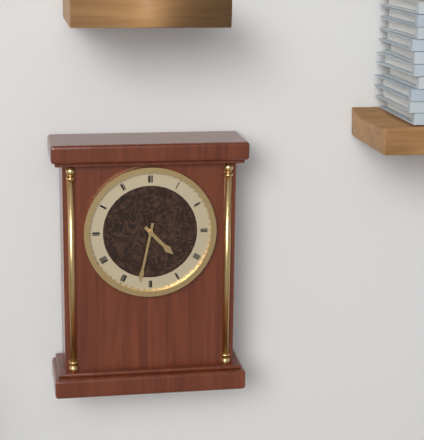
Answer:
4h32
